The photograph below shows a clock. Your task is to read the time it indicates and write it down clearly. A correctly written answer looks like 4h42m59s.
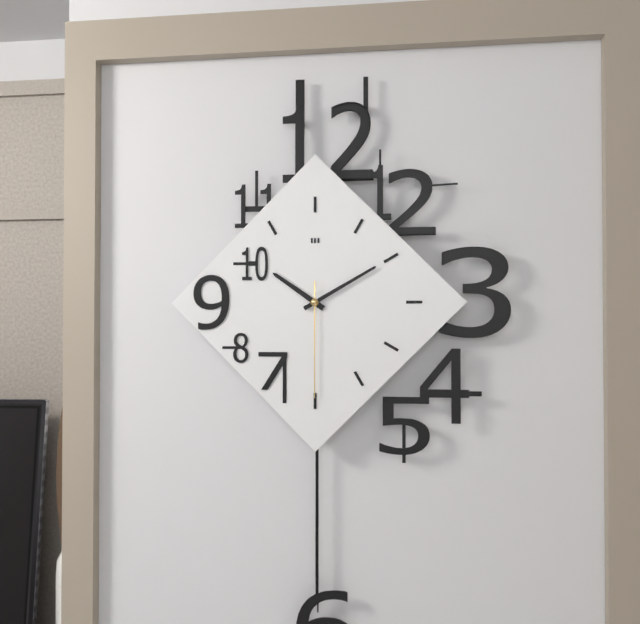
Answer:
10h10m30s
